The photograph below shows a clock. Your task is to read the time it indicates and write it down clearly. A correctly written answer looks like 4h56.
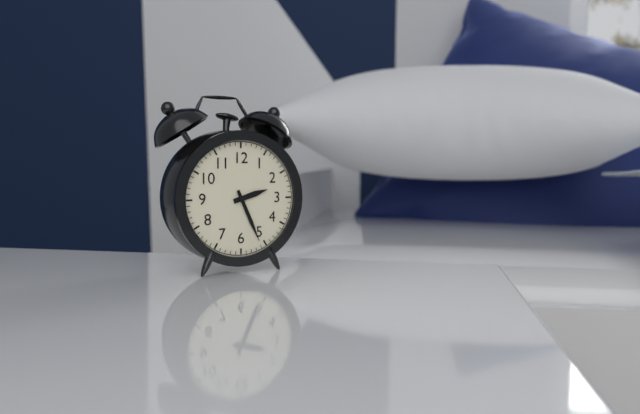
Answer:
2h26
